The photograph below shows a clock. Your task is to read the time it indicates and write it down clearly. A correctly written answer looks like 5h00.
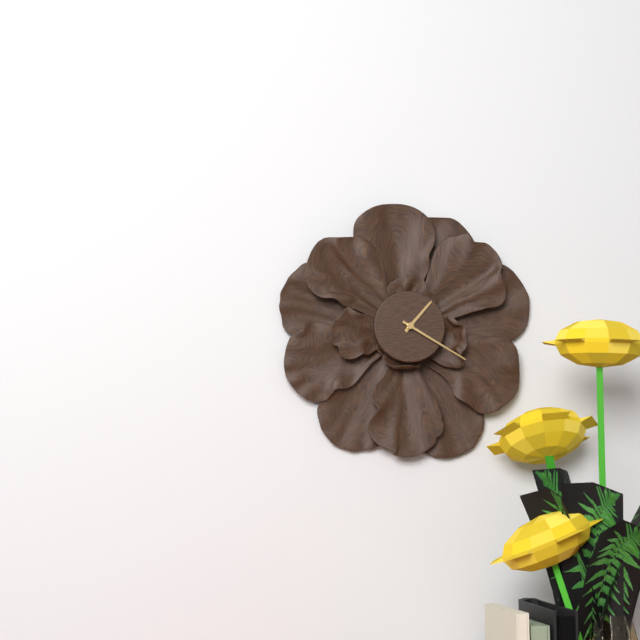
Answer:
1h20
